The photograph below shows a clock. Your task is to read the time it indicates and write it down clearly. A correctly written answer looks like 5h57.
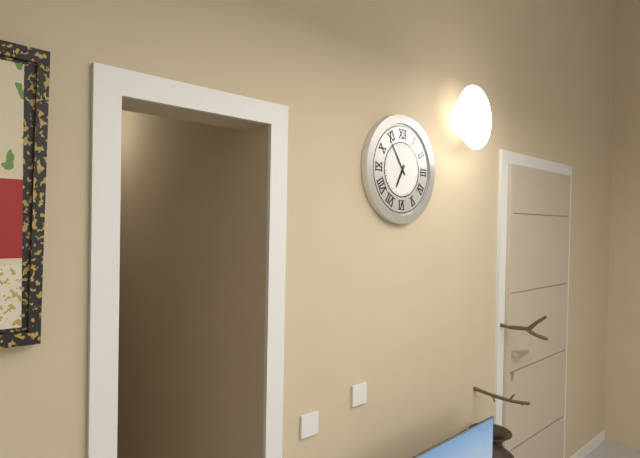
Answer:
6h54
